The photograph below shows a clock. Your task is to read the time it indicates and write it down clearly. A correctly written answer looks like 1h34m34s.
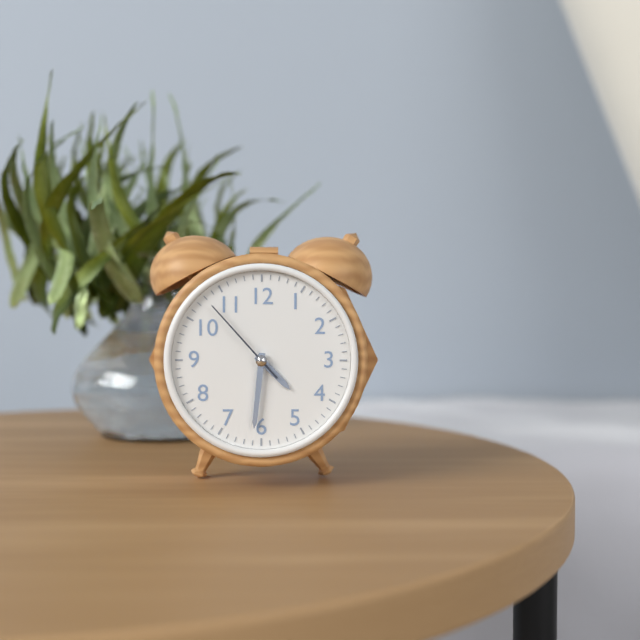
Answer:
4h31m53s
